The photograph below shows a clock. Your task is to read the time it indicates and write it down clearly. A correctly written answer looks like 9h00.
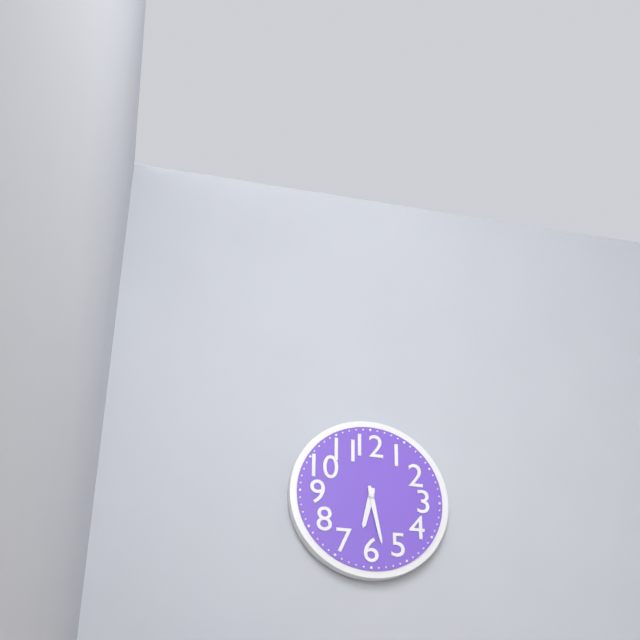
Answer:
6h28
